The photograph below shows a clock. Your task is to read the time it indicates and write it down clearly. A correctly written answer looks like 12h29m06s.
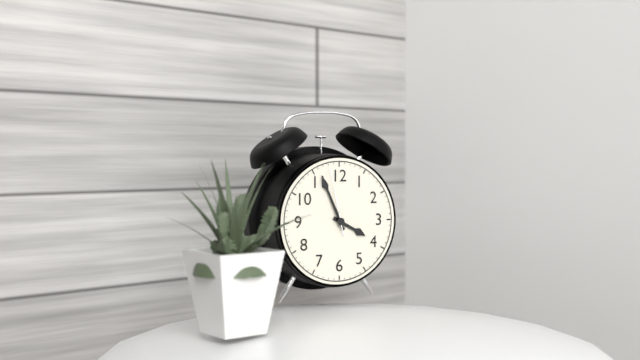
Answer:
3h56m58s
